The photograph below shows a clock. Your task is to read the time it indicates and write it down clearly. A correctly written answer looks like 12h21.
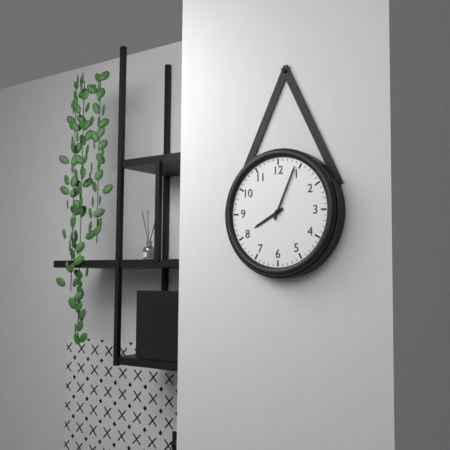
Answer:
8h04
